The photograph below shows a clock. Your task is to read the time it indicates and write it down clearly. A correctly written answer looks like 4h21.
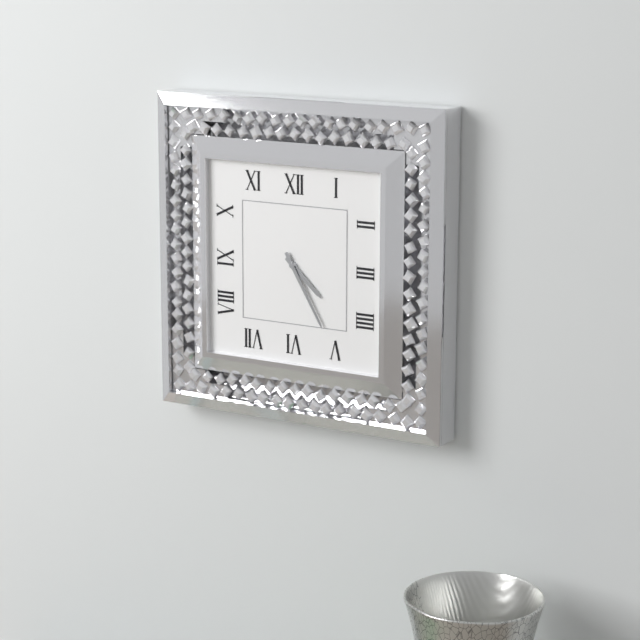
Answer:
4h25
